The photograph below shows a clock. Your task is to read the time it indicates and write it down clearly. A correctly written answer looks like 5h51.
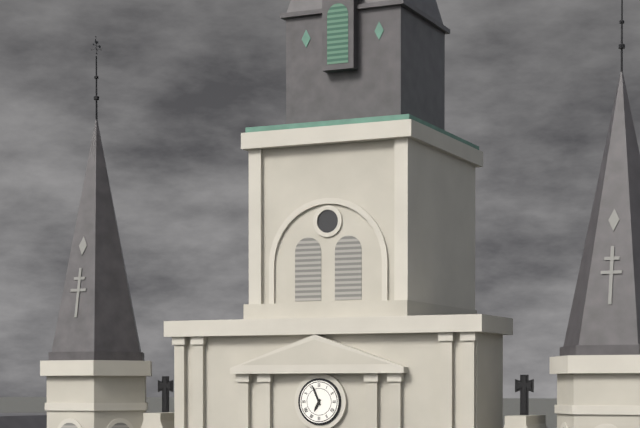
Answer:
6h56
